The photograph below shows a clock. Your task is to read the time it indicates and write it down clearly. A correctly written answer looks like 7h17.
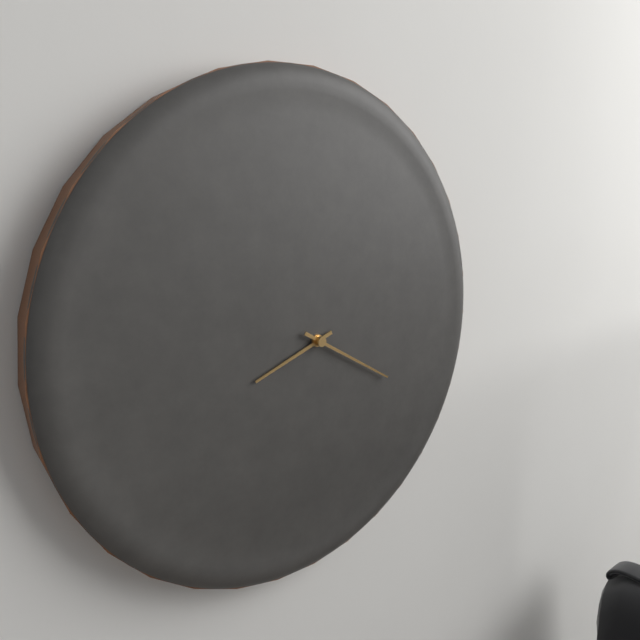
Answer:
8h20
